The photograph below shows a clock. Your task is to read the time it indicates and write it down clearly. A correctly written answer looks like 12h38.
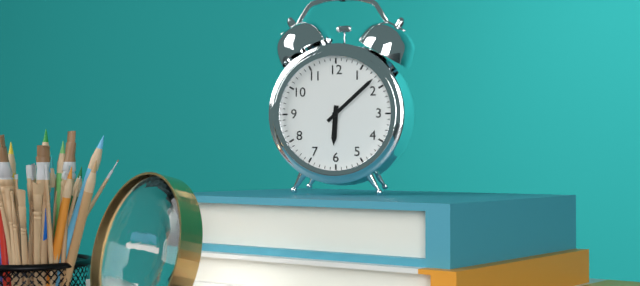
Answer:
6h08
